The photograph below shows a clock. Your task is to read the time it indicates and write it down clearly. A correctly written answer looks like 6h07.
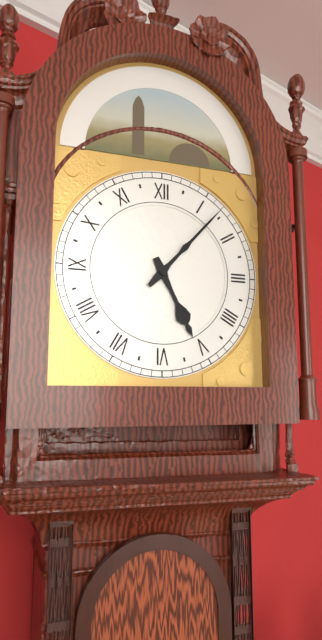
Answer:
5h07
